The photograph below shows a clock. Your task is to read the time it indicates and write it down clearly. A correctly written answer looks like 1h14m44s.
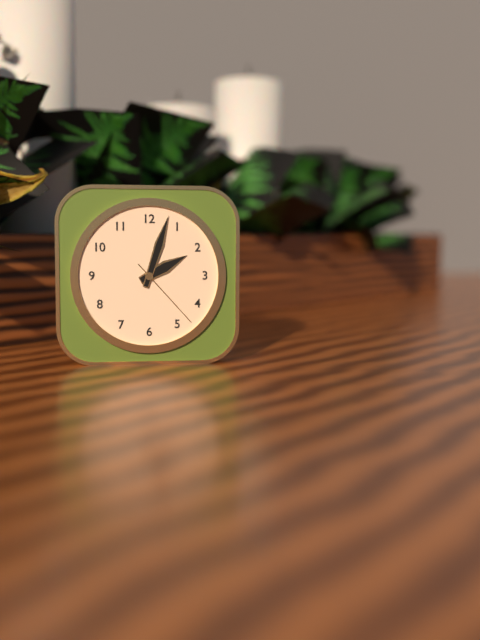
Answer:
2h03m23s
